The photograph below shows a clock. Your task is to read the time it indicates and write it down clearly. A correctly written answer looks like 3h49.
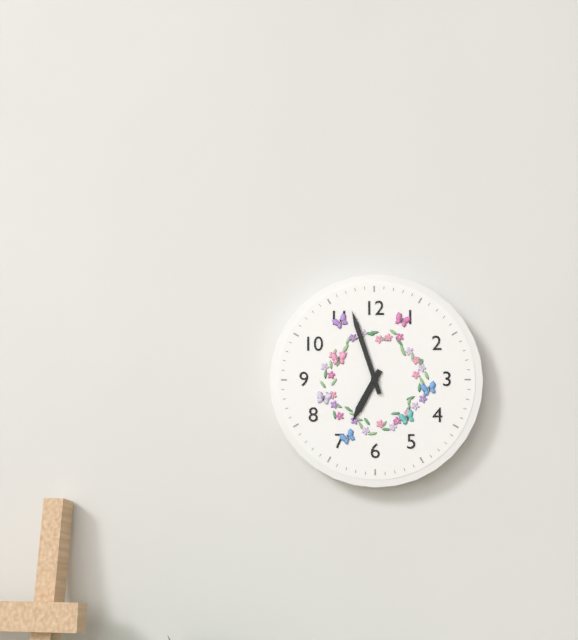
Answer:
6h57
